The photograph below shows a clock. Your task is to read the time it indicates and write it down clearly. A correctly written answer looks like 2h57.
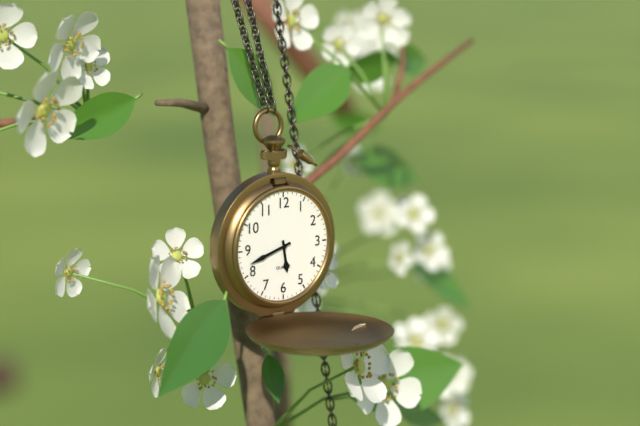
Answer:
5h42
